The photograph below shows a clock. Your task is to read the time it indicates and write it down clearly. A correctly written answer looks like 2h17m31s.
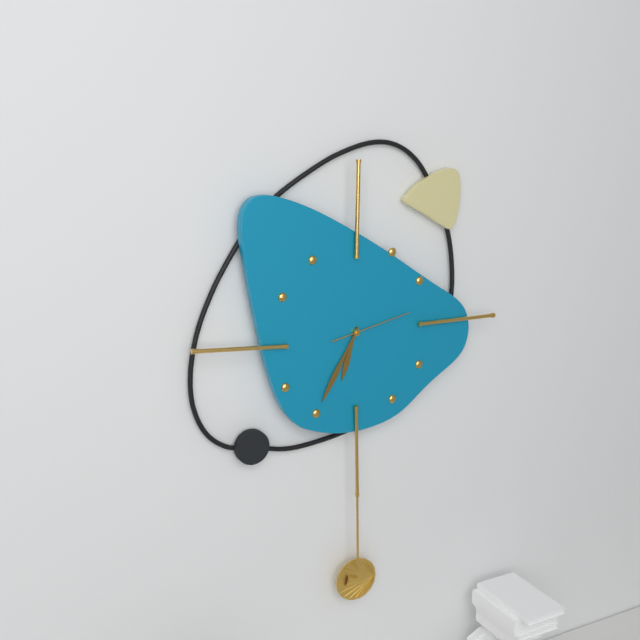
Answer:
6h35m13s
